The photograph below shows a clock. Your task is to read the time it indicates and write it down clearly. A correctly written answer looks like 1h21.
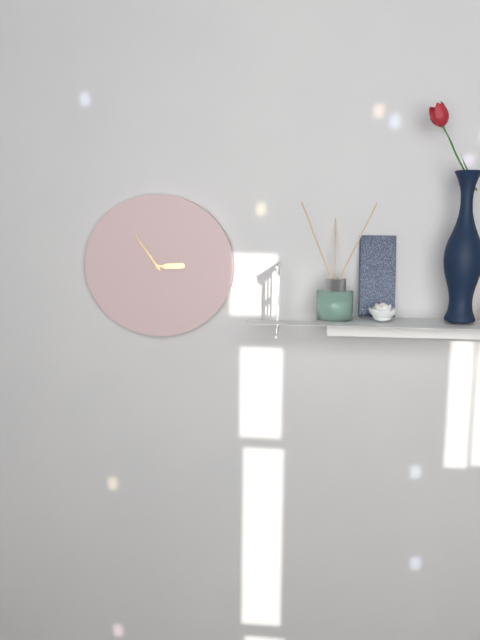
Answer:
2h54
